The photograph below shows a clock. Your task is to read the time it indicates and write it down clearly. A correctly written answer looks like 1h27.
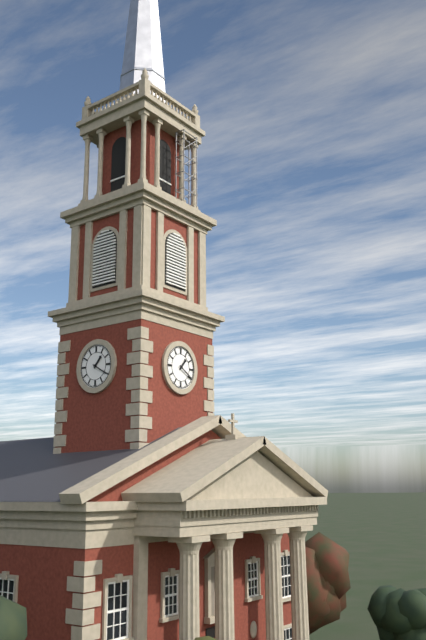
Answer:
1h20
